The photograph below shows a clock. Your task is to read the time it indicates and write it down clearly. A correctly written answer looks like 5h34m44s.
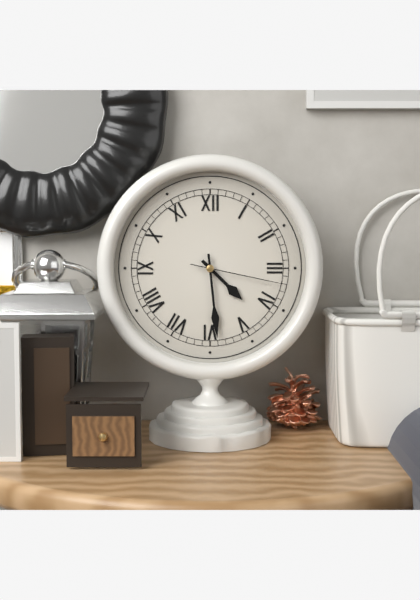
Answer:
4h29m17s
